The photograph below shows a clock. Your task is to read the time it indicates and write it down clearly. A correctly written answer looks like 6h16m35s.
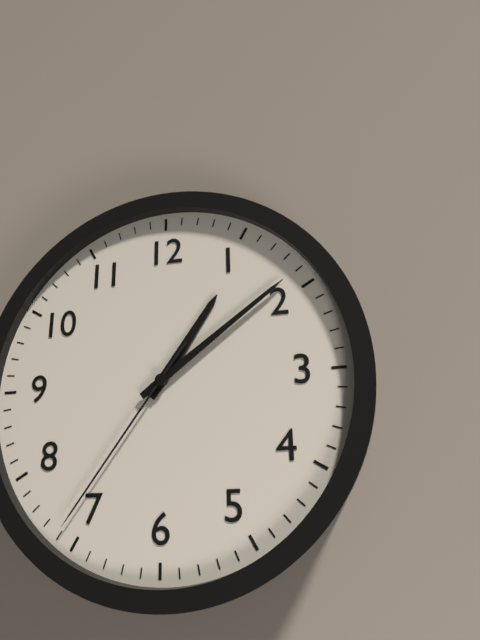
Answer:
1h09m36s
